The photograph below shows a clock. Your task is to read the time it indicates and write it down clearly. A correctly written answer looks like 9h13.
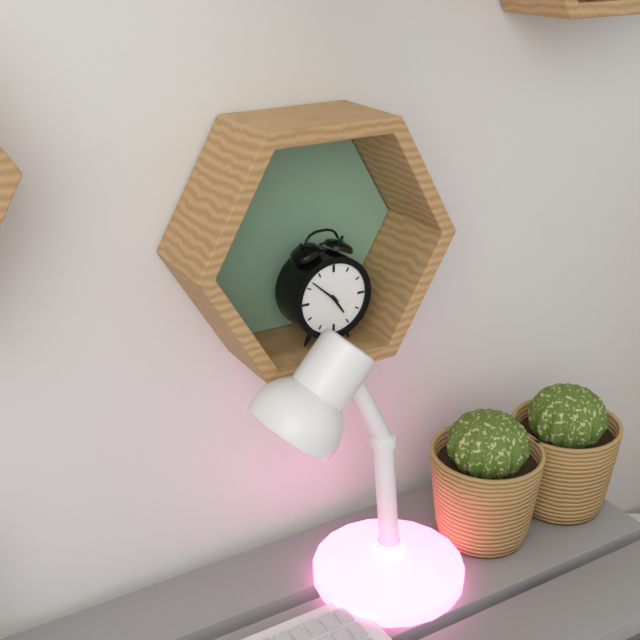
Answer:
4h52
